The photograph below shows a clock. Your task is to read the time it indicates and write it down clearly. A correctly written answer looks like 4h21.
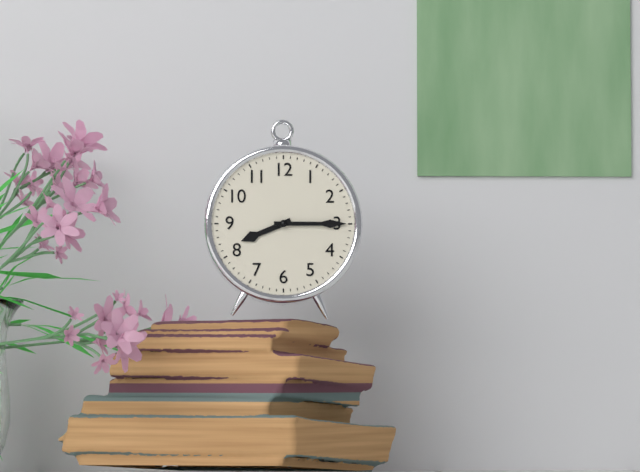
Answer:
8h15
